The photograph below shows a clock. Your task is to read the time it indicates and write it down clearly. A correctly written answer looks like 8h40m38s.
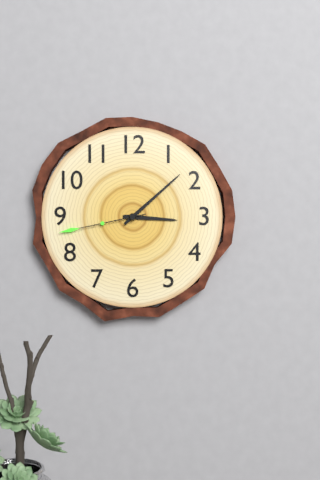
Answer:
3h08m43s
